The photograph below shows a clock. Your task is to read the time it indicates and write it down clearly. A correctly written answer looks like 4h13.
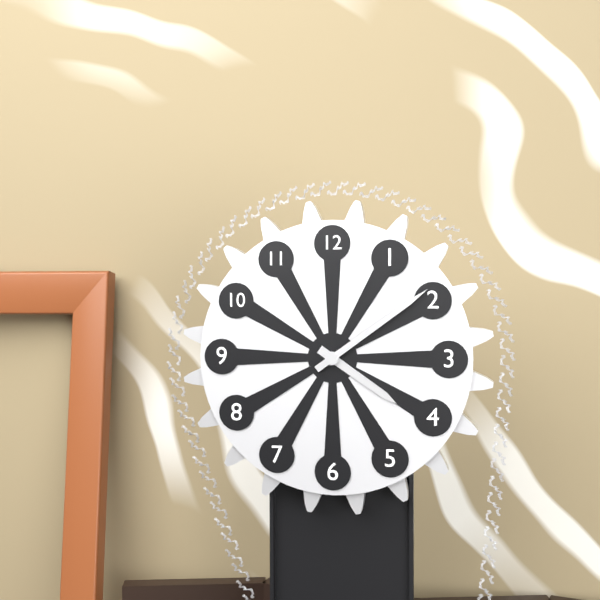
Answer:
4h09
